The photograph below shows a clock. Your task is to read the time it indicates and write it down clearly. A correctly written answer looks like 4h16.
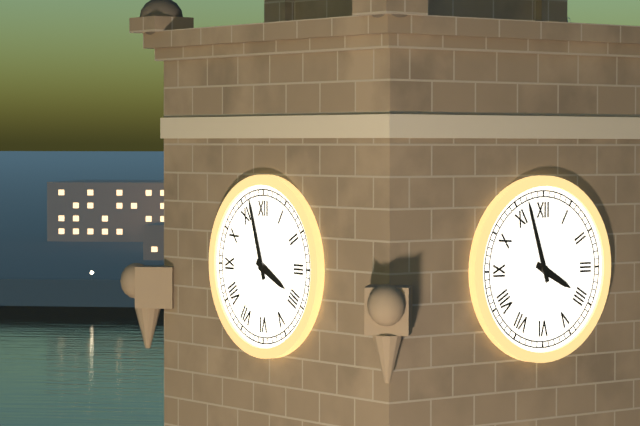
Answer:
3h57
